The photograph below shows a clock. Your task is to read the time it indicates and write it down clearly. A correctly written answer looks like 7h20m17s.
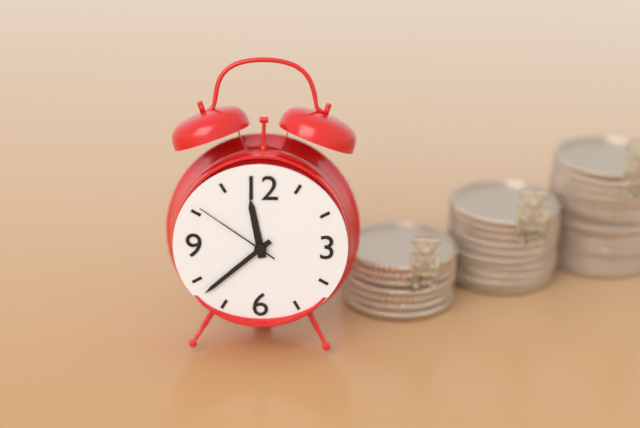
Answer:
11h38m51s
